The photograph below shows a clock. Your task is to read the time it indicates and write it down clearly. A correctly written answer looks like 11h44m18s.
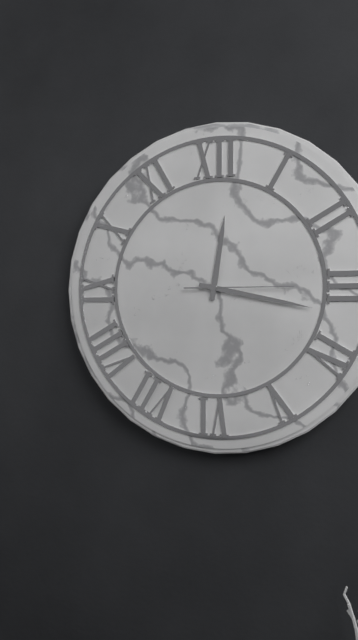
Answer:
12h17m15s
